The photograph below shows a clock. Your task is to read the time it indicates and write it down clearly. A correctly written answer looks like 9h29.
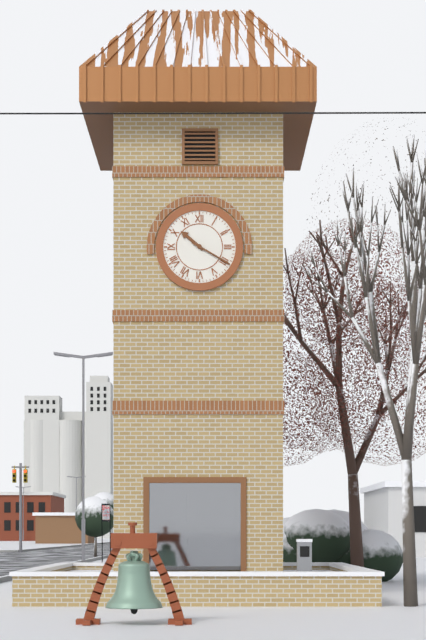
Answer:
10h20
